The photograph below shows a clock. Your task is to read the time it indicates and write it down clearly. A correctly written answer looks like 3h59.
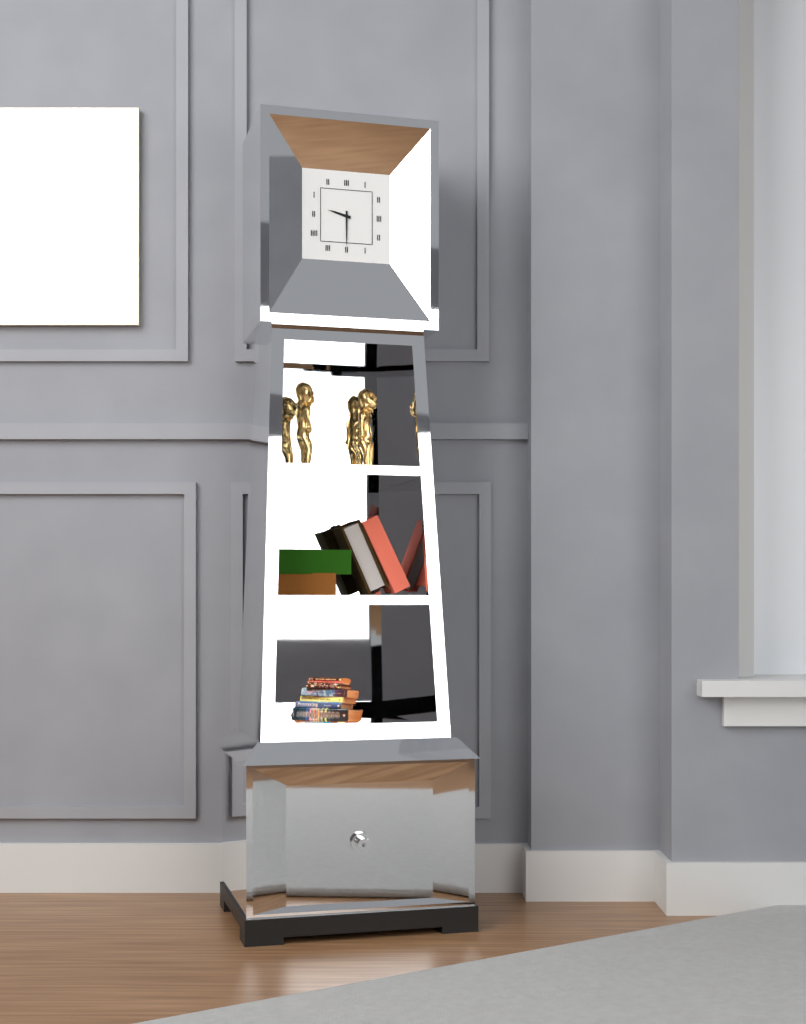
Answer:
9h30
